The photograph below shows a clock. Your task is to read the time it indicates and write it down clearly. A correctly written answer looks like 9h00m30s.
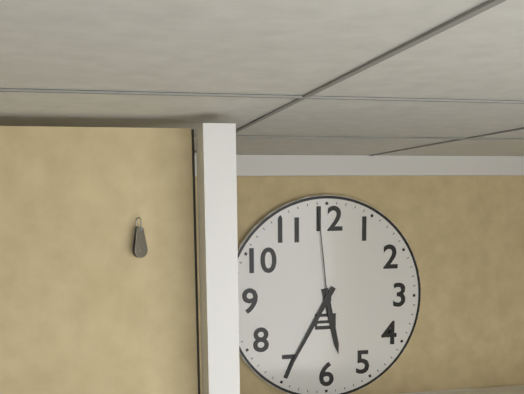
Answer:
5h35m59s
